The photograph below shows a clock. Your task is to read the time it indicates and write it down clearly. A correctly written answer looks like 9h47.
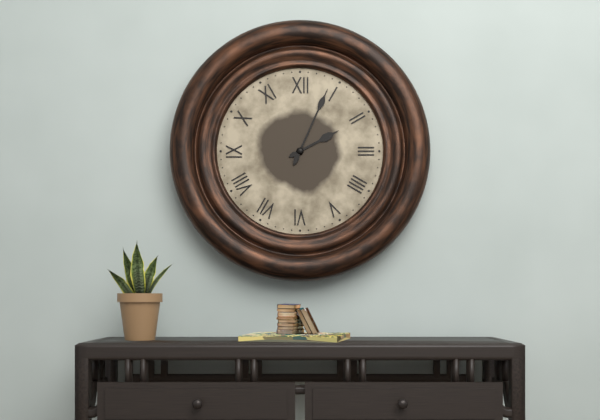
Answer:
2h04
